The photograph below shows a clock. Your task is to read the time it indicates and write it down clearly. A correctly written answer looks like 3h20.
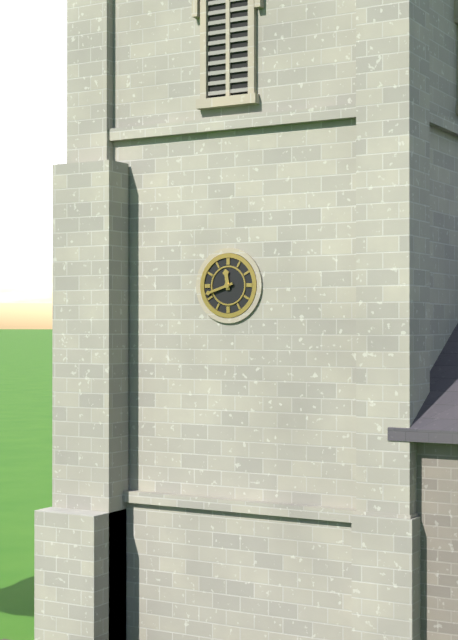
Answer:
11h42
